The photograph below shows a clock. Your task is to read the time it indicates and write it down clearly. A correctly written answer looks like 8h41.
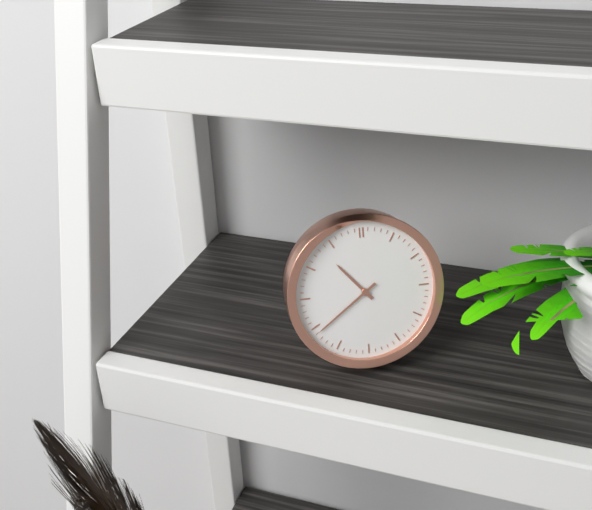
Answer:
10h39
